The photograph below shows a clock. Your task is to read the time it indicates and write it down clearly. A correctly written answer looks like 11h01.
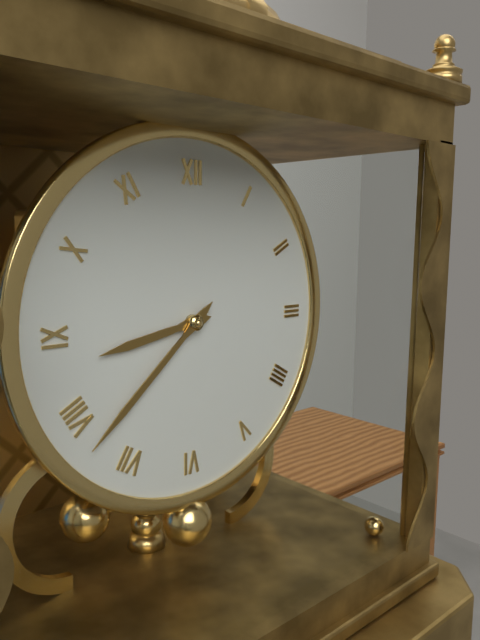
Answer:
8h38
